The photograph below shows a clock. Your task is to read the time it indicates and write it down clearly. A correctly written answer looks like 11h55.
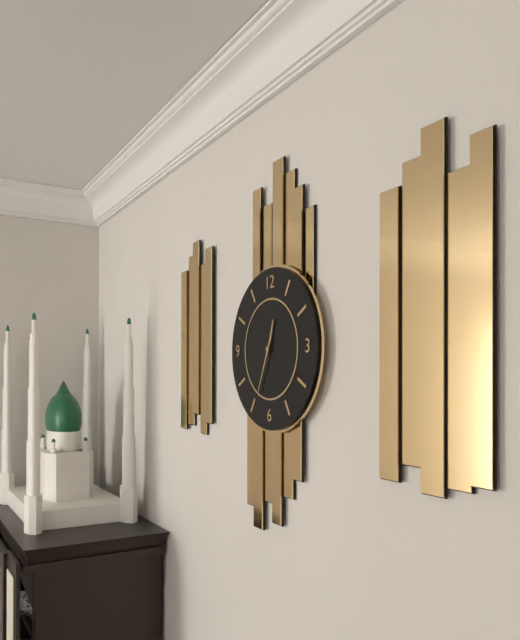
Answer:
12h34
